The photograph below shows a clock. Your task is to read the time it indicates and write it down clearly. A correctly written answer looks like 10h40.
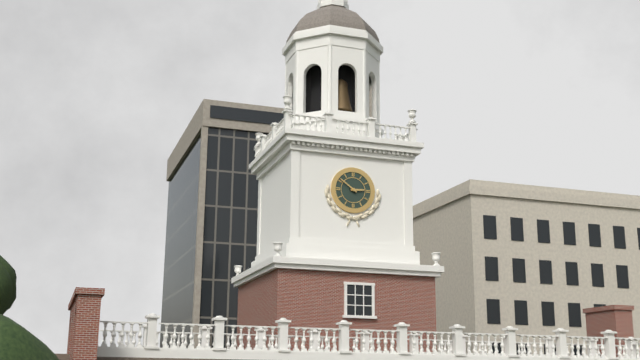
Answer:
2h51
